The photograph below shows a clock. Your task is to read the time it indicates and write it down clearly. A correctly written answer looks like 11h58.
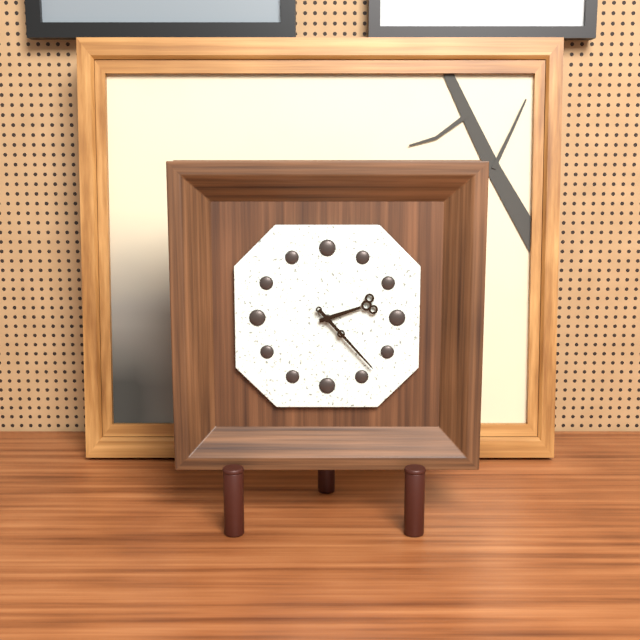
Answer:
2h23
